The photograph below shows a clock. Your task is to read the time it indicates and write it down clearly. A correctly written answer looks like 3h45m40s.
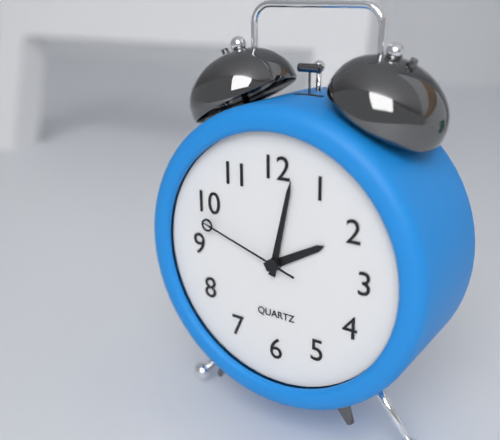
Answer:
2h02m48s
